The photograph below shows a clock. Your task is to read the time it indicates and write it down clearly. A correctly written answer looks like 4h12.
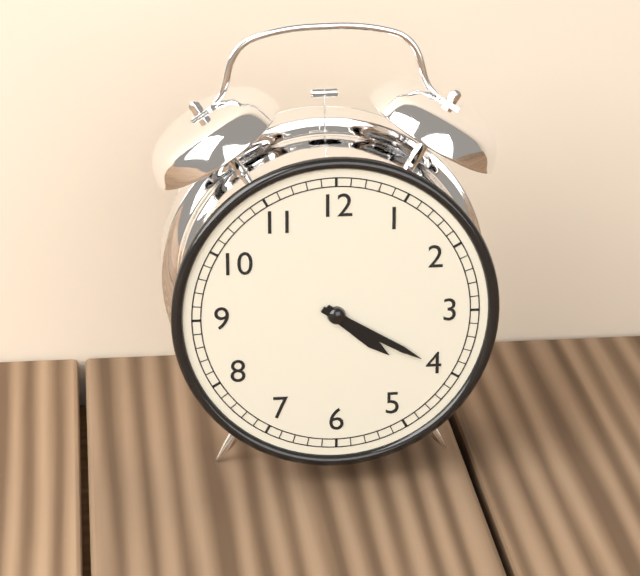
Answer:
4h20
